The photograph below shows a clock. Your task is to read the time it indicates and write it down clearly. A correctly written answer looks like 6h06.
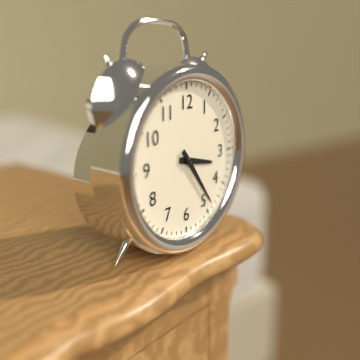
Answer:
3h24
